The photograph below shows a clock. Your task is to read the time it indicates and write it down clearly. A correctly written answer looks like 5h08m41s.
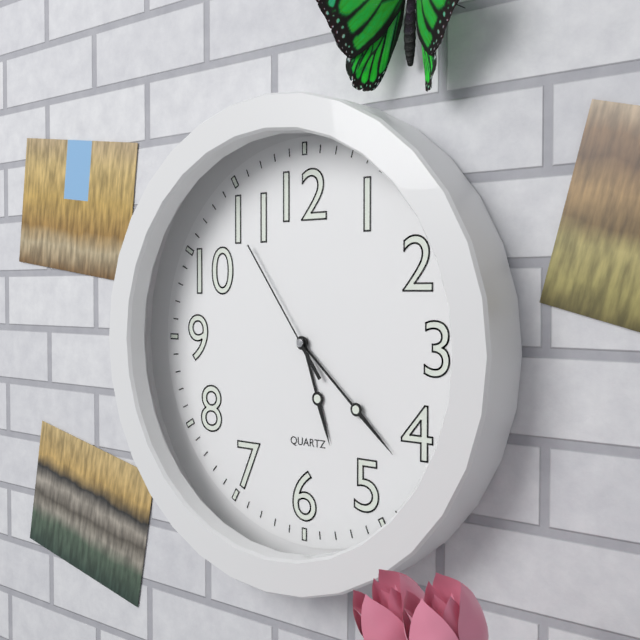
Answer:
5h22m54s
